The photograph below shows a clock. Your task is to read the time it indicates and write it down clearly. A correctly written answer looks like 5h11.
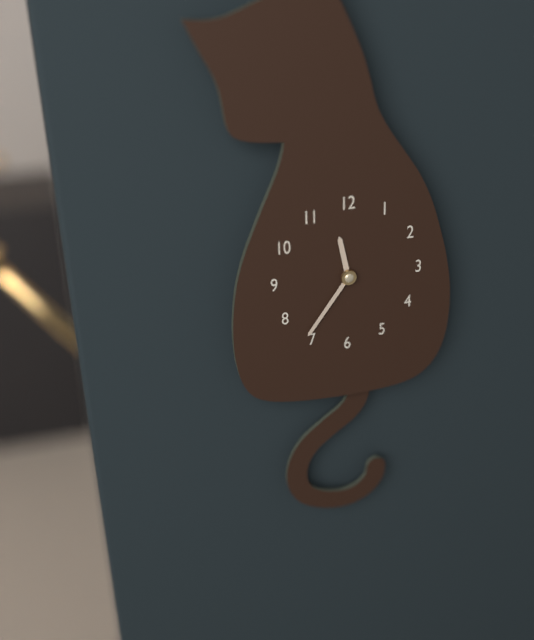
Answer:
11h36
